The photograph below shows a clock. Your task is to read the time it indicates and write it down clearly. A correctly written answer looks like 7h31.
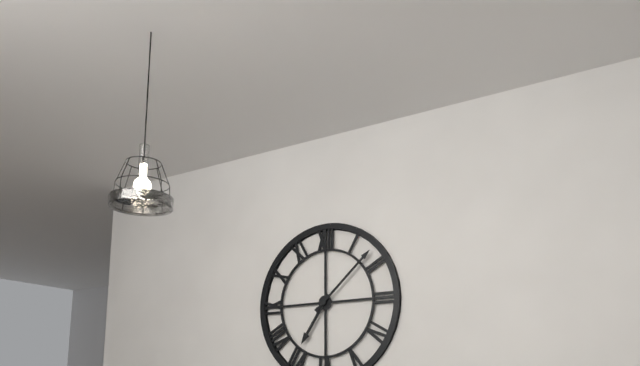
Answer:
7h08
